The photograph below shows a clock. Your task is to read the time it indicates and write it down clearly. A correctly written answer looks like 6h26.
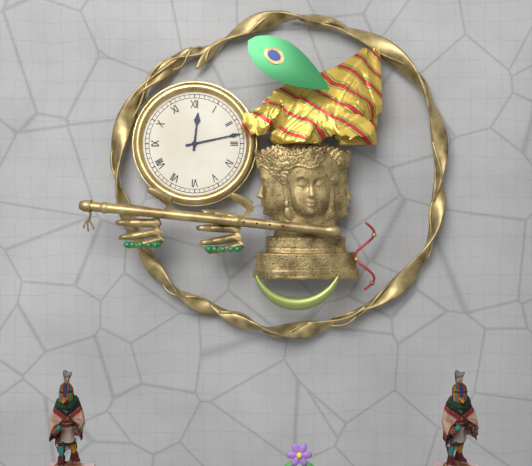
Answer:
12h13
